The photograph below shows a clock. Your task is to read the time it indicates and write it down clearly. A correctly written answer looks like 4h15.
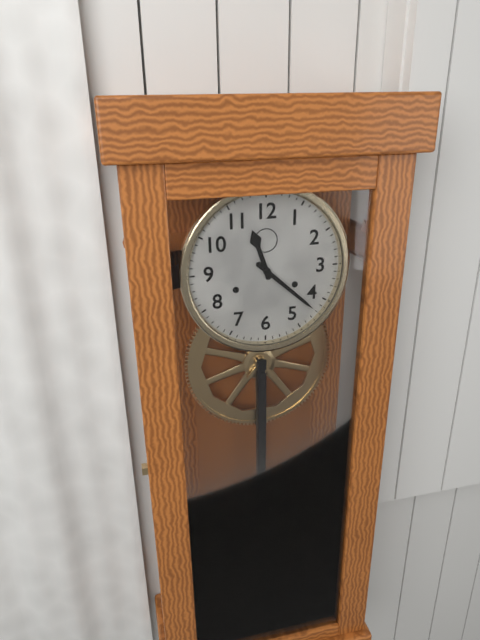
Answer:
11h22
